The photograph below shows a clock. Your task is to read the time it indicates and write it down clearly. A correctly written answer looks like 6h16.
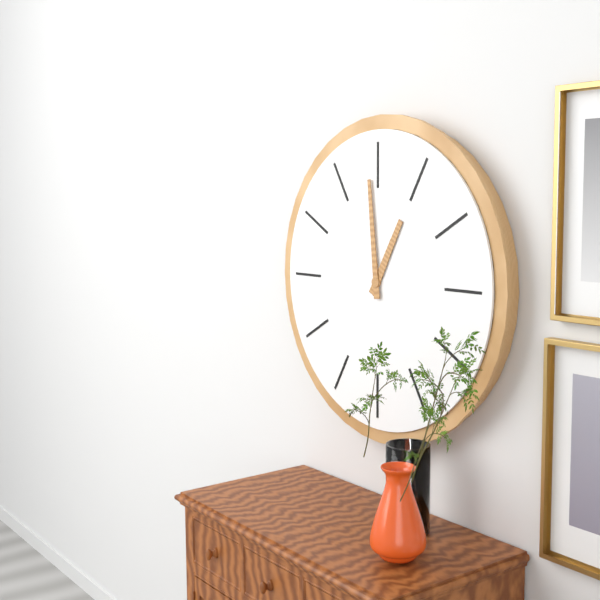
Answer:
12h59
